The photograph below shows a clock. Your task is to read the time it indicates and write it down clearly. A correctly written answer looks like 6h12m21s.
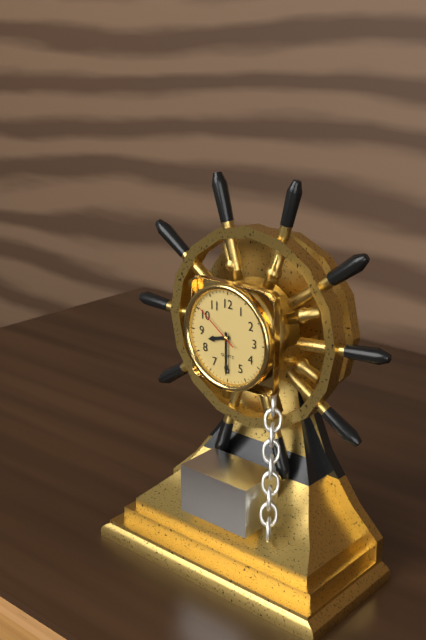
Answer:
8h30m51s
